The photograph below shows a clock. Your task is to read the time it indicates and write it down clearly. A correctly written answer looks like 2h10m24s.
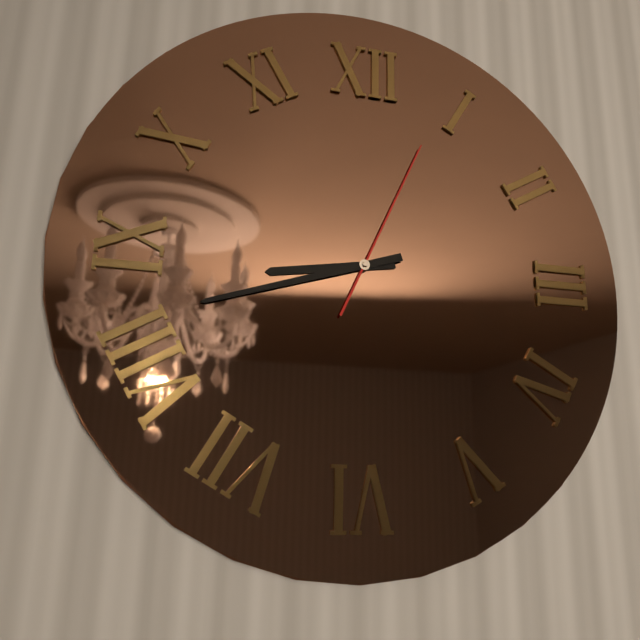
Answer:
8h42m04s
